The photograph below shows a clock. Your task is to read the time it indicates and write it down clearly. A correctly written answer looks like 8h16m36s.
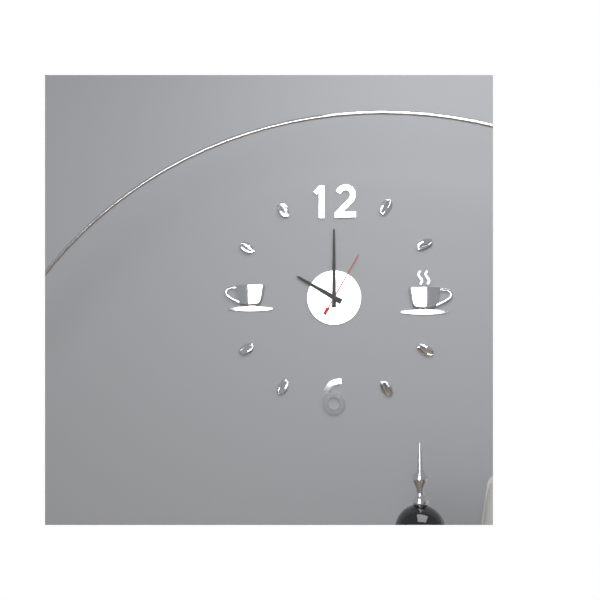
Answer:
10h00m05s
